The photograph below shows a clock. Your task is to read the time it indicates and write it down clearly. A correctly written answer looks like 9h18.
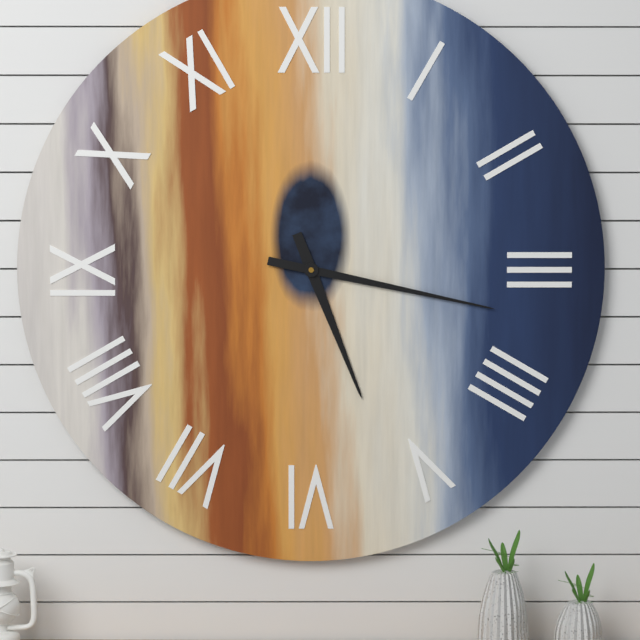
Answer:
5h17
